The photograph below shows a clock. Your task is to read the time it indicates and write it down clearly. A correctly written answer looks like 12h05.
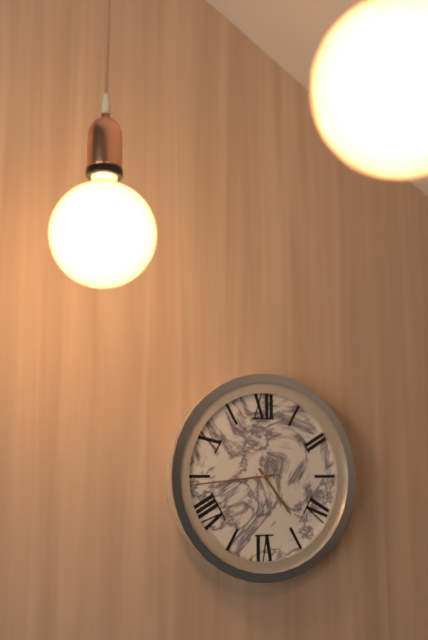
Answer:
4h44
